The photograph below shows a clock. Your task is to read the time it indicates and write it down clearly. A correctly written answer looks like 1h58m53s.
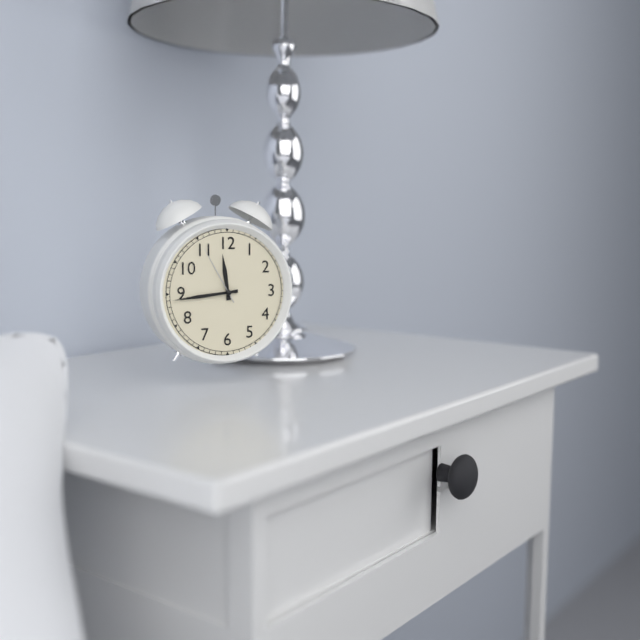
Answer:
11h44m55s
